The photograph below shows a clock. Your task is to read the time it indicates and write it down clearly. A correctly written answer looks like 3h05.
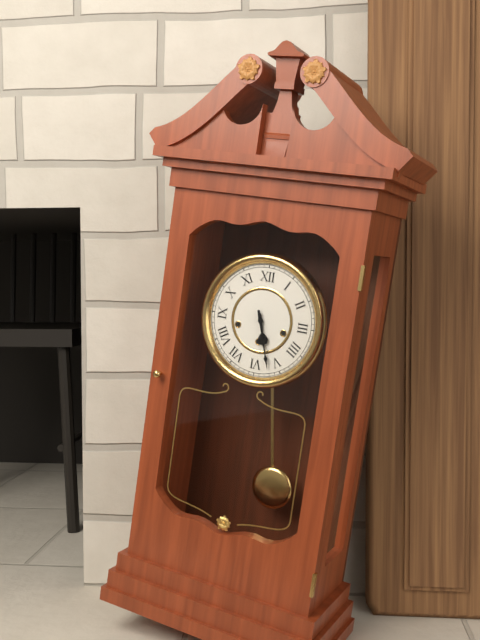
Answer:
5h27
